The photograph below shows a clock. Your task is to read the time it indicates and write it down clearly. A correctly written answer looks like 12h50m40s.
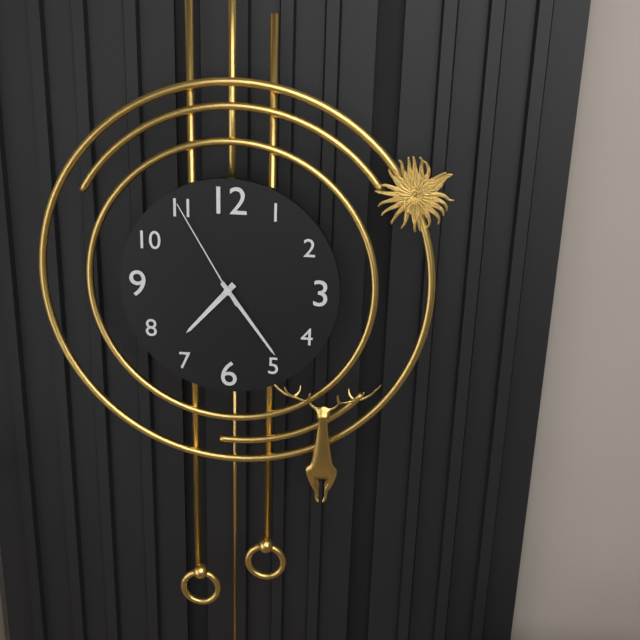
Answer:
7h24m55s
